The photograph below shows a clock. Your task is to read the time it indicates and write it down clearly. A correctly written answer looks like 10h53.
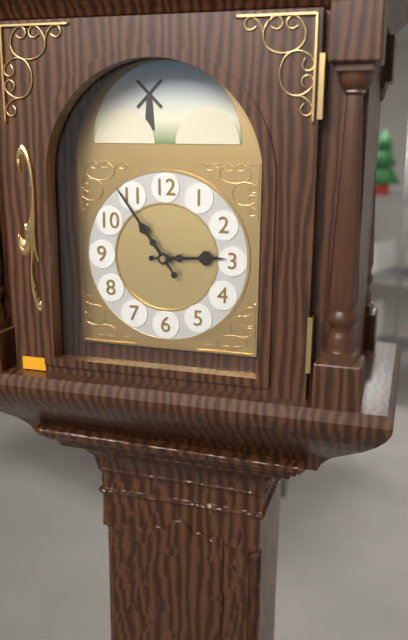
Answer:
2h54
